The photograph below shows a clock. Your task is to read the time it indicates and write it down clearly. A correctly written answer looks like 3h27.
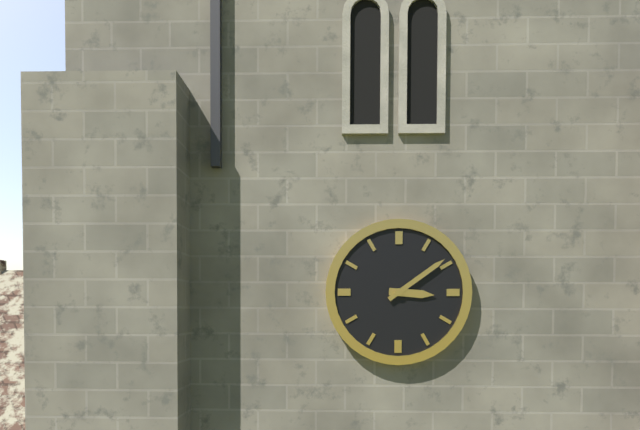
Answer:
3h09
